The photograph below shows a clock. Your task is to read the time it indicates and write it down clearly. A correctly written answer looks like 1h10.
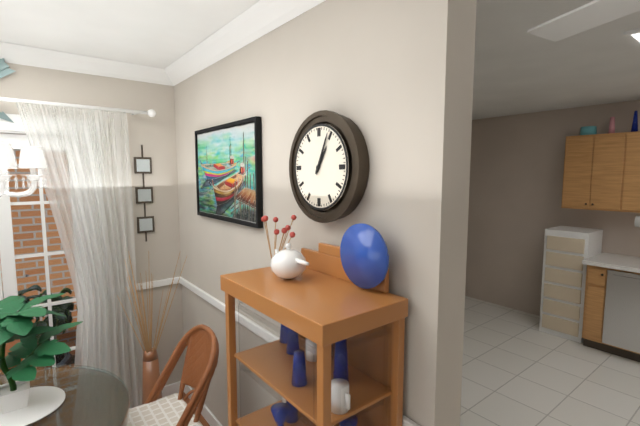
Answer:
1h04
